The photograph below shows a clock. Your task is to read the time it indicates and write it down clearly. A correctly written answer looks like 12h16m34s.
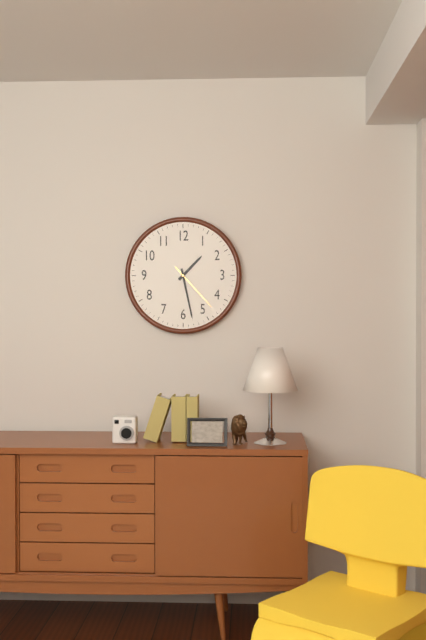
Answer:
1h28m23s
